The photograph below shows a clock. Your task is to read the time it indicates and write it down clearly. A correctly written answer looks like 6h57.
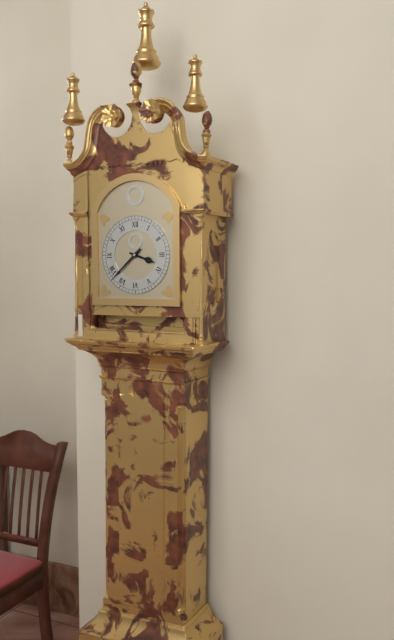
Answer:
3h38
